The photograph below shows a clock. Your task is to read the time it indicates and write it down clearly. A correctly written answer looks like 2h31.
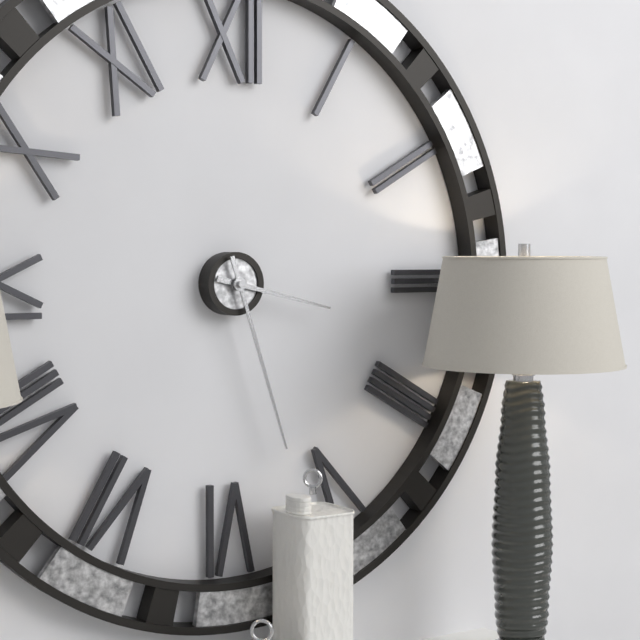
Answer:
3h27
